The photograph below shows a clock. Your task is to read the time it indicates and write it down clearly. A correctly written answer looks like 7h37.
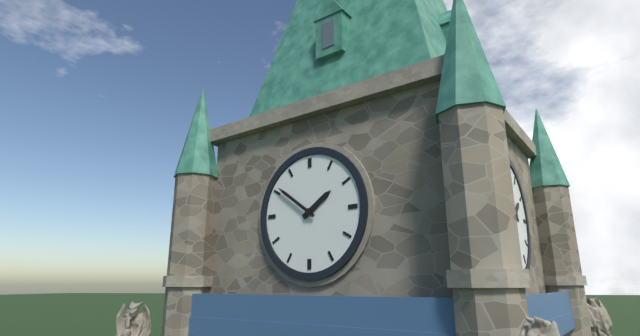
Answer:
1h51
